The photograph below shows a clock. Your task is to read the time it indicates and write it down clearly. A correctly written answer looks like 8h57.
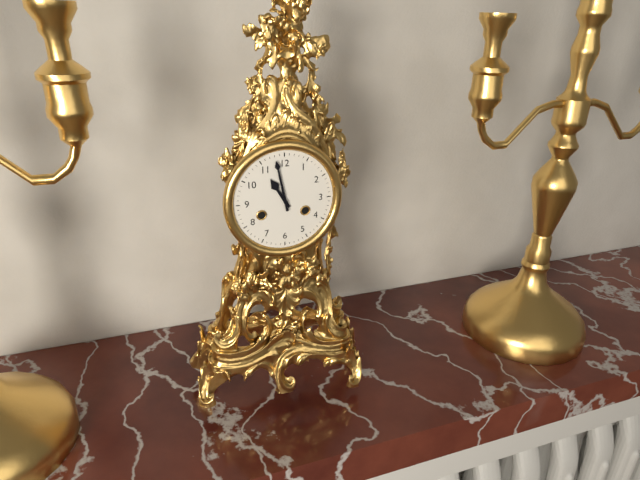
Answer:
10h58
